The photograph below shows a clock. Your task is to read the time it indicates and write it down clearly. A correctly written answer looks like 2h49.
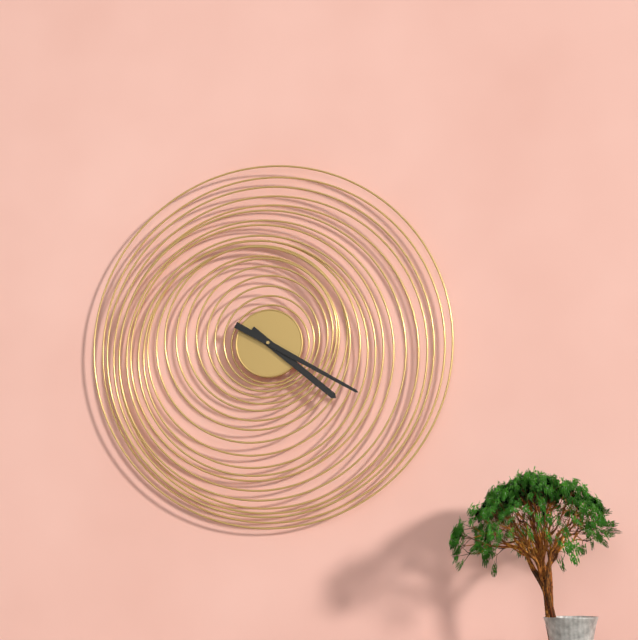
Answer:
4h20
